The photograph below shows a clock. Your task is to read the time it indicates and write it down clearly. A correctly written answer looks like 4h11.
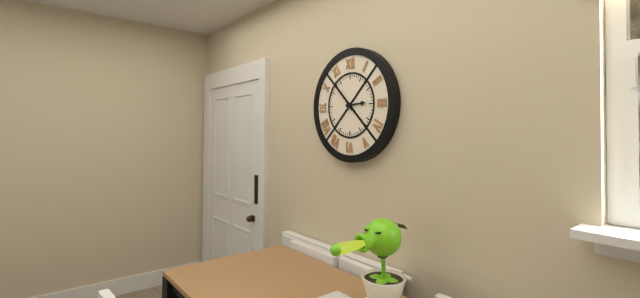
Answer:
2h53
